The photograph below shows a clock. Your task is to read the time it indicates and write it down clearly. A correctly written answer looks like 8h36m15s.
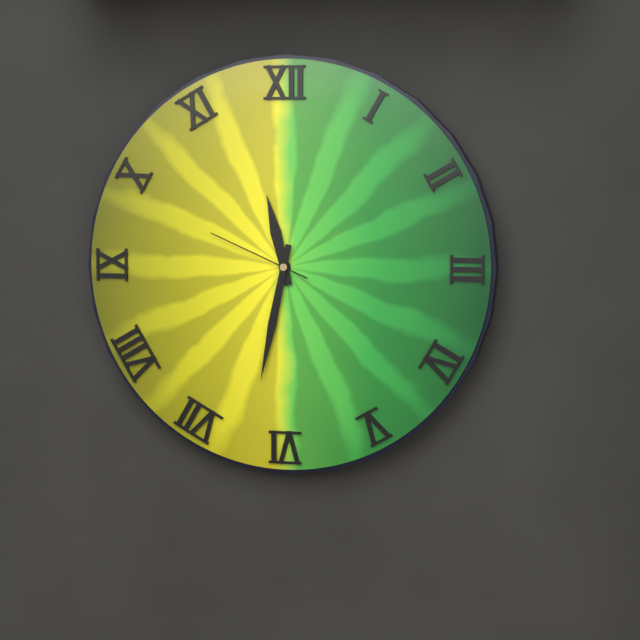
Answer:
11h32m49s
